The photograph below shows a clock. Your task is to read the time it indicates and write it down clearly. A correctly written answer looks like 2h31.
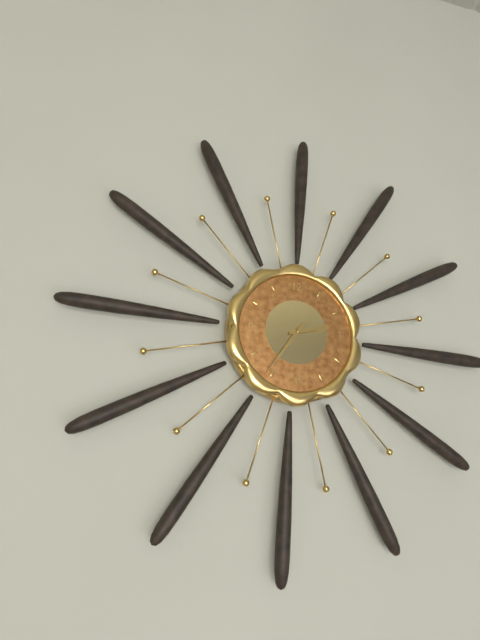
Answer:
2h36
